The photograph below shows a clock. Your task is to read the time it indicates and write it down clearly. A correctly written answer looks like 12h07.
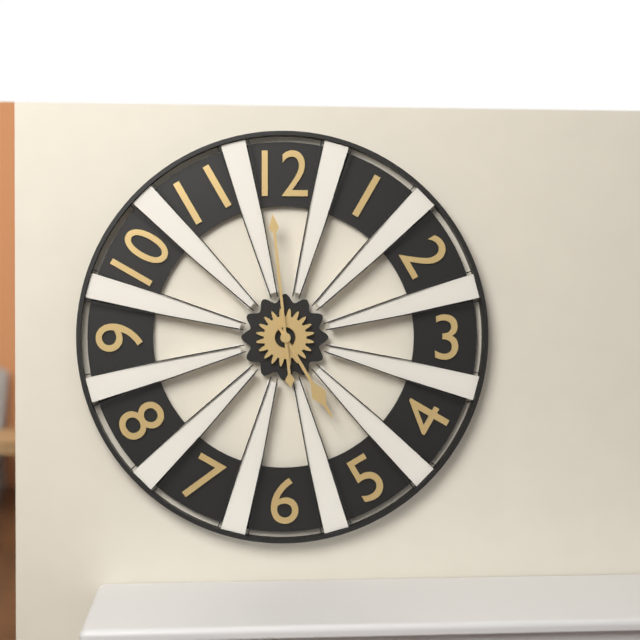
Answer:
4h59
